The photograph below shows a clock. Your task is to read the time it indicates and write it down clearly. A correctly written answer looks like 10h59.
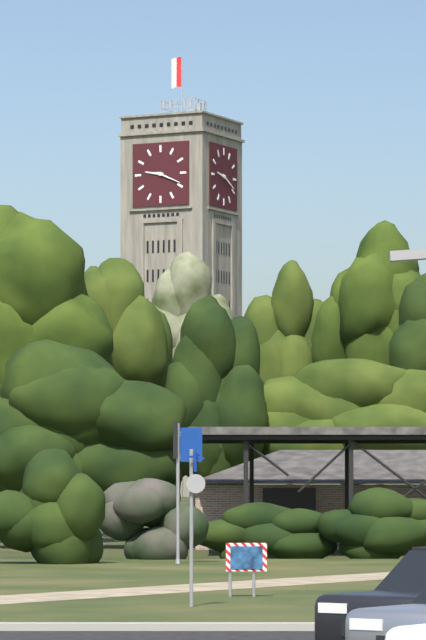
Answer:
9h19
